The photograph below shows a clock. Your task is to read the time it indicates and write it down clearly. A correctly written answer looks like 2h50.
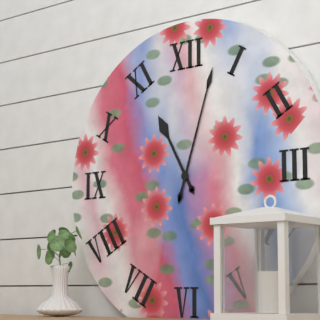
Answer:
11h03
